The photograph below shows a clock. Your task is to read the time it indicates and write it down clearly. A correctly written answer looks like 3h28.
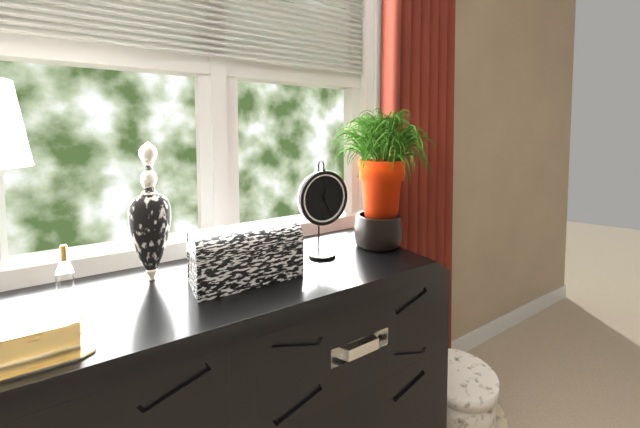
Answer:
12h26
